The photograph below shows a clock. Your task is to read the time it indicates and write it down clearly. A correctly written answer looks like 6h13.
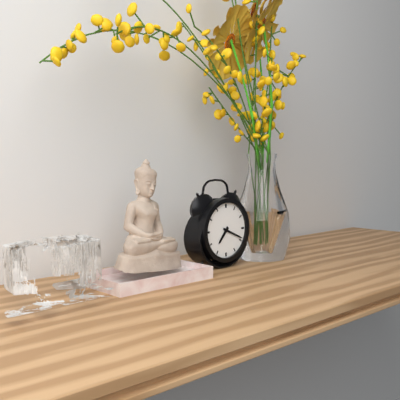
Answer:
7h19
